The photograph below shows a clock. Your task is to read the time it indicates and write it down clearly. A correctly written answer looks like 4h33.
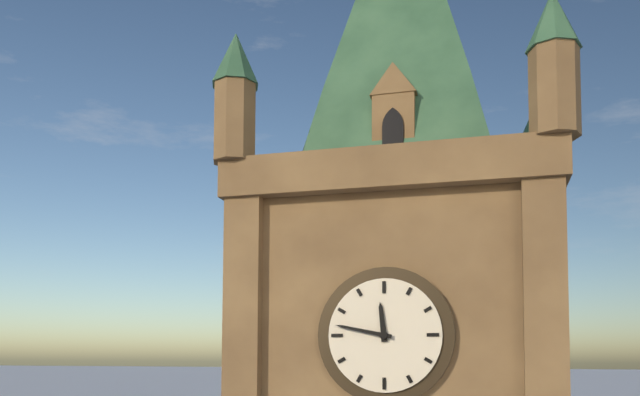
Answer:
11h47
